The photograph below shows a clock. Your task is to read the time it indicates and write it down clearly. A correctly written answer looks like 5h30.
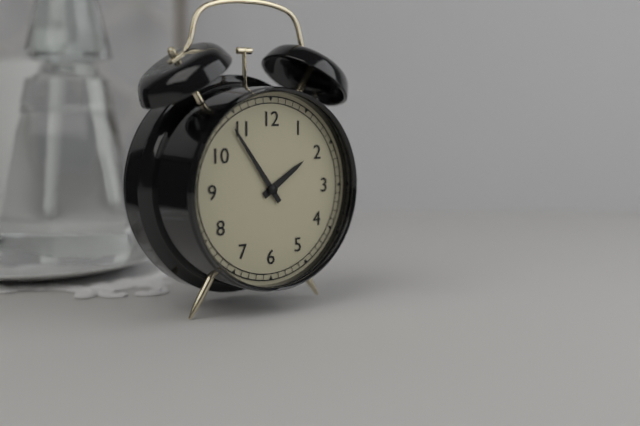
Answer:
1h54
